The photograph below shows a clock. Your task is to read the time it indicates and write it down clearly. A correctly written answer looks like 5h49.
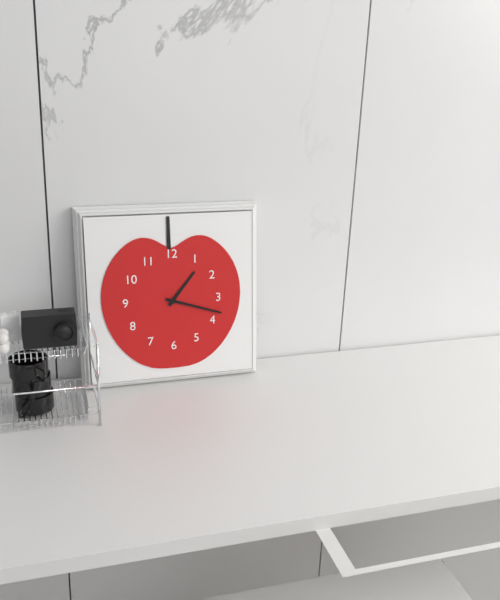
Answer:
1h18
